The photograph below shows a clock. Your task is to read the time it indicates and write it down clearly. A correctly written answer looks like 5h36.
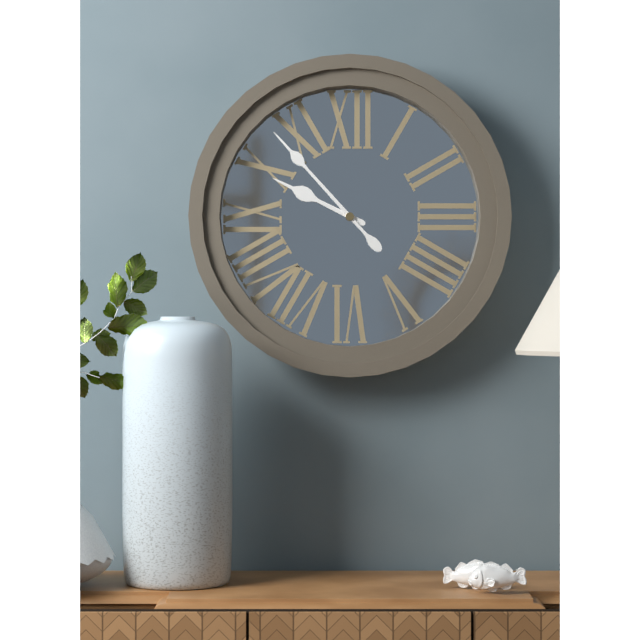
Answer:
9h53
